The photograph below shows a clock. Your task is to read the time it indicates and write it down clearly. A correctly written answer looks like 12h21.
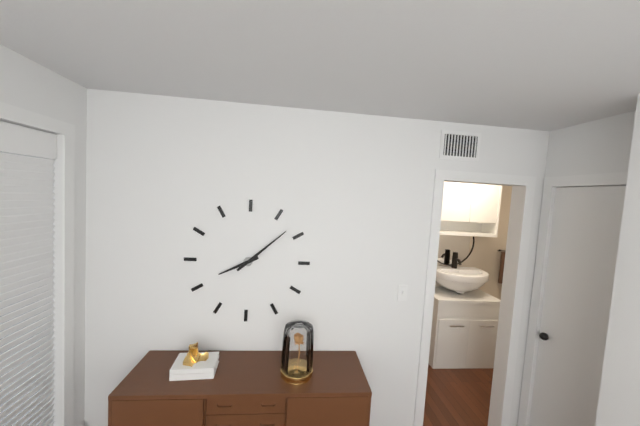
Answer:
8h08
